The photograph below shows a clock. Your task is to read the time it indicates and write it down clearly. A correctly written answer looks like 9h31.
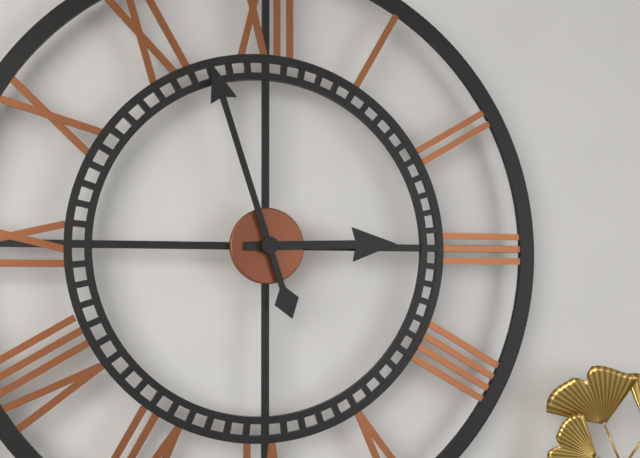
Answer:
2h57
